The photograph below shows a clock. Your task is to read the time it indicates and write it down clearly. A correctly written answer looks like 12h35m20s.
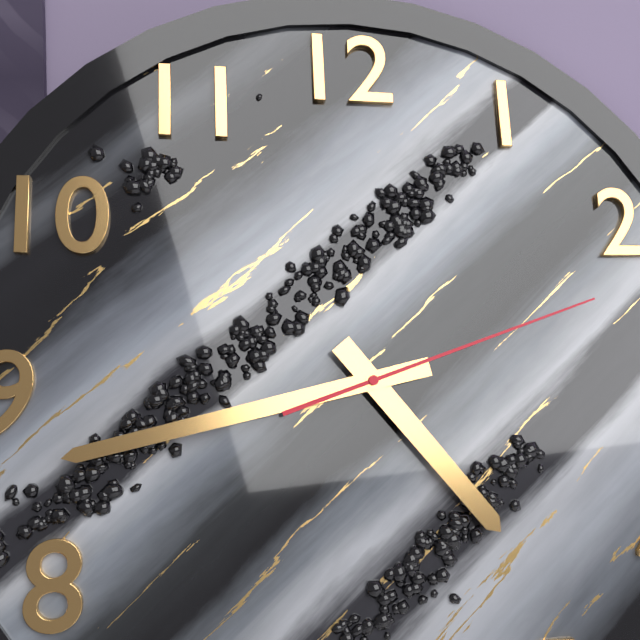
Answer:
4h43m12s
